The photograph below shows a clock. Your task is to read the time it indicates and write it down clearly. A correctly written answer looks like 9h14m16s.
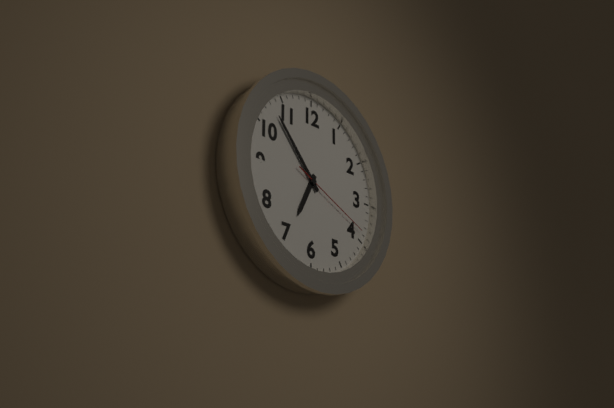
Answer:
6h53m19s
